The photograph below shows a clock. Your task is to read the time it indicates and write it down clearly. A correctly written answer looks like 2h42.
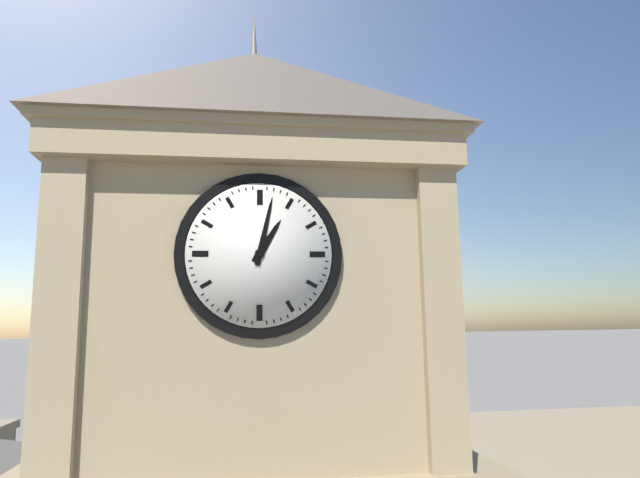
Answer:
1h02
